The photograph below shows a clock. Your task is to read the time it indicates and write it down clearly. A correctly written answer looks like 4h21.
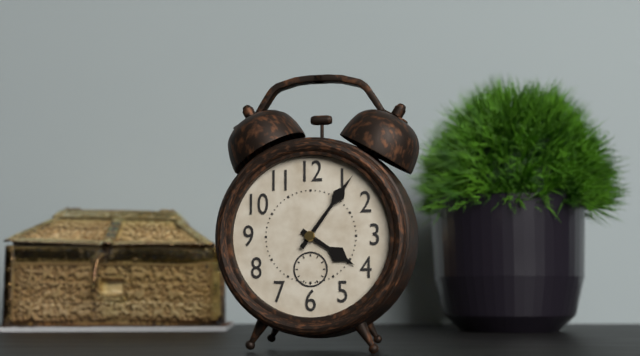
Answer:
4h06
